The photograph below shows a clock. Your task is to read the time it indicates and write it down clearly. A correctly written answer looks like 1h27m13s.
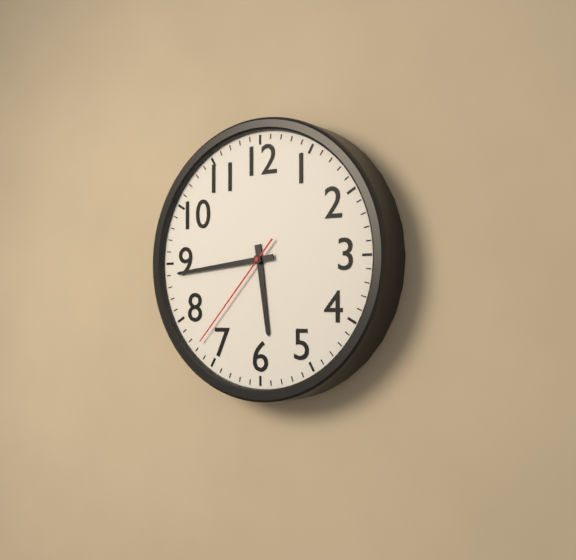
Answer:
5h44m37s
